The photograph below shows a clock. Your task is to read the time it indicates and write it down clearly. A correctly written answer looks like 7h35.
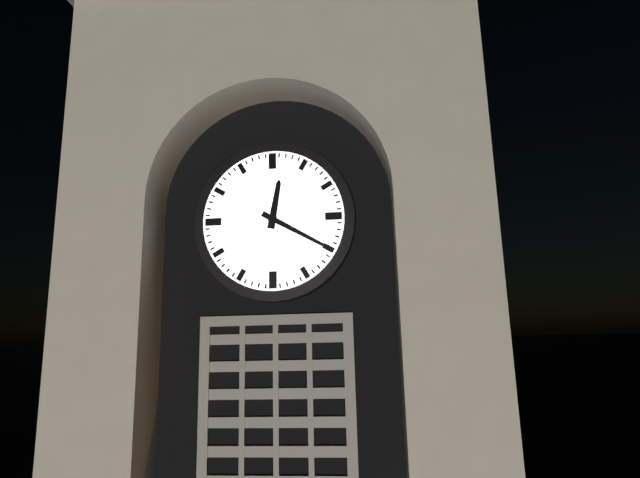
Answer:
12h20
